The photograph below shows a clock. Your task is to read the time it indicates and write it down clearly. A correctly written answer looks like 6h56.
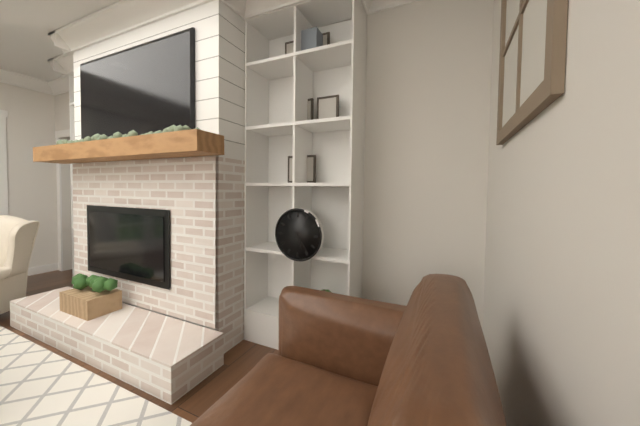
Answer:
5h24
